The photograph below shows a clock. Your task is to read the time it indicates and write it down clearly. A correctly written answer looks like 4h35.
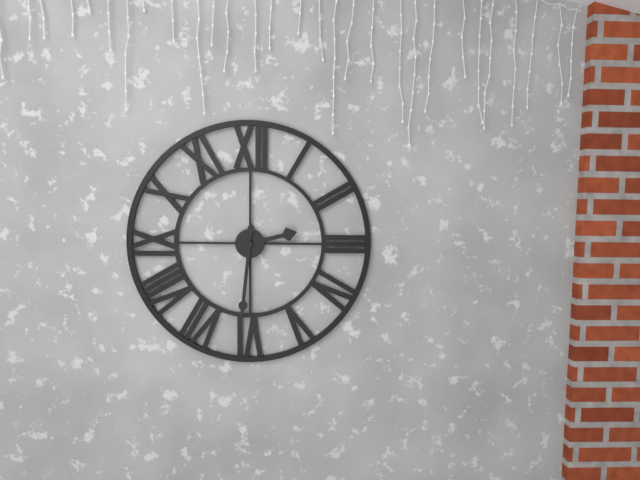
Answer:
2h31
